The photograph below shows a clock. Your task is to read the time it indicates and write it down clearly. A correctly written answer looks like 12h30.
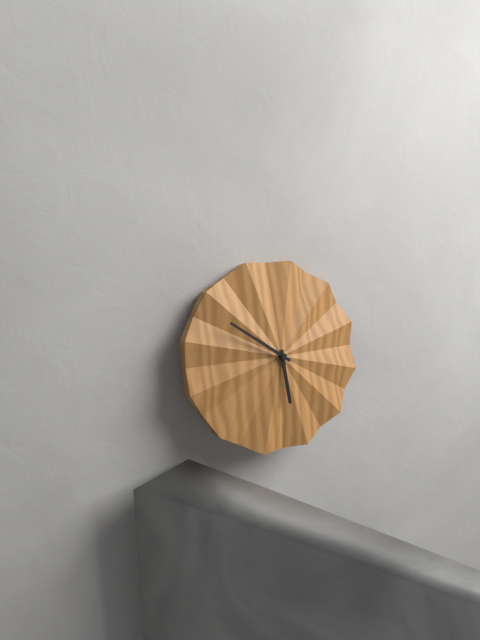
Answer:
5h51
